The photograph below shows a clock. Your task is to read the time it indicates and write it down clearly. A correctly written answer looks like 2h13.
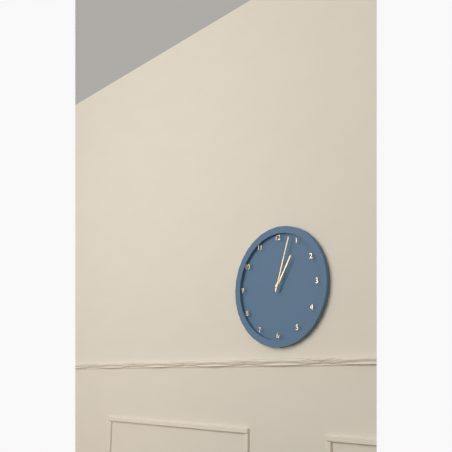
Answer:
1h03
